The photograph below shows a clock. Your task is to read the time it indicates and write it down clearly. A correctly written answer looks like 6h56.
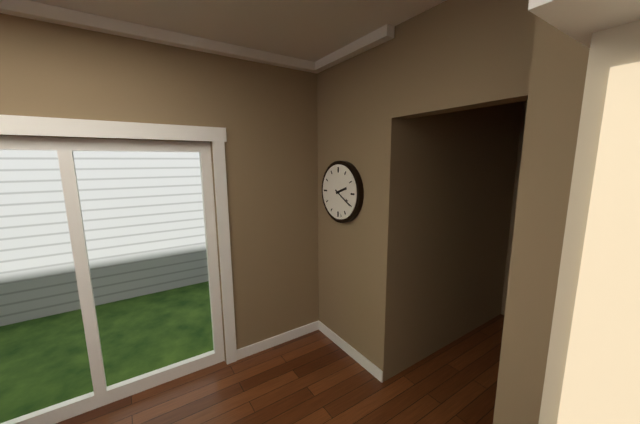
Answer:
2h20
